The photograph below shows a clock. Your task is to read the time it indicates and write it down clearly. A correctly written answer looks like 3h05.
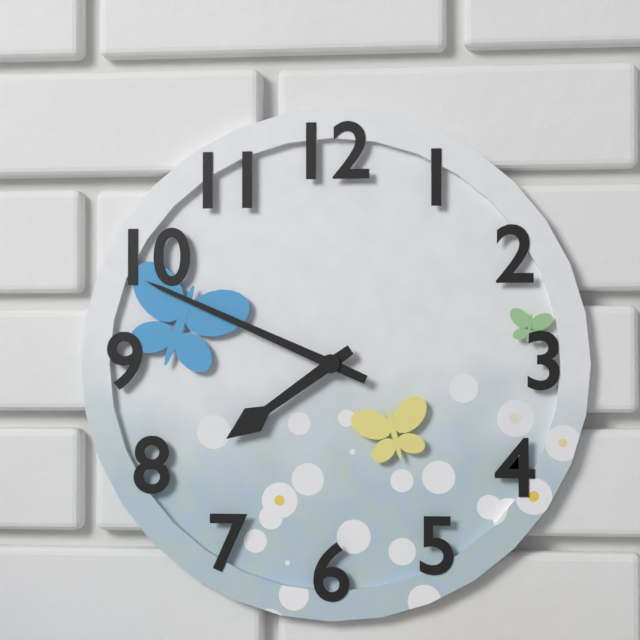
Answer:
7h49
